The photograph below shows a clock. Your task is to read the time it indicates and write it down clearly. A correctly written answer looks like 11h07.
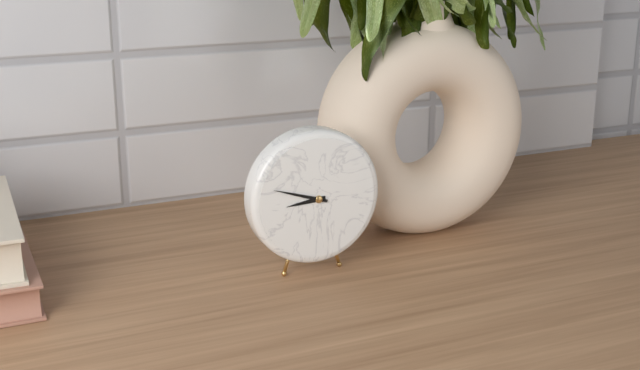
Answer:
8h48
